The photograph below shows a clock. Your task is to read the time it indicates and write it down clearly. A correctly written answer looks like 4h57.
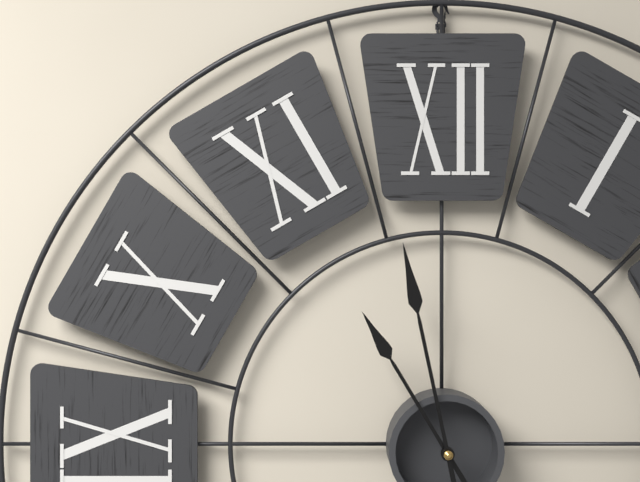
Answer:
10h58
